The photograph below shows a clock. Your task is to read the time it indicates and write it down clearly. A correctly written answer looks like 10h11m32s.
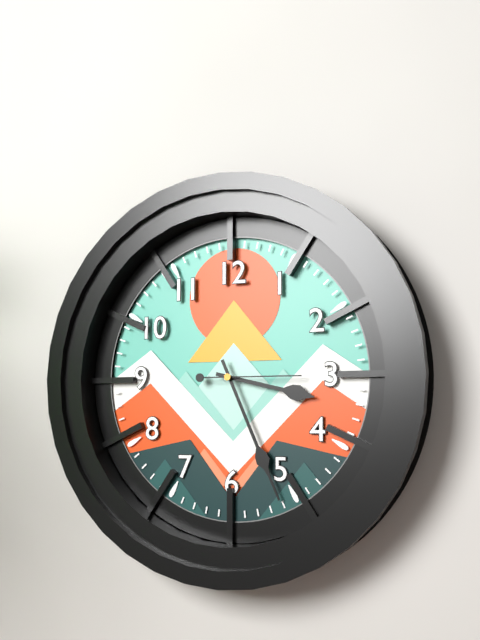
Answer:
3h26m15s
